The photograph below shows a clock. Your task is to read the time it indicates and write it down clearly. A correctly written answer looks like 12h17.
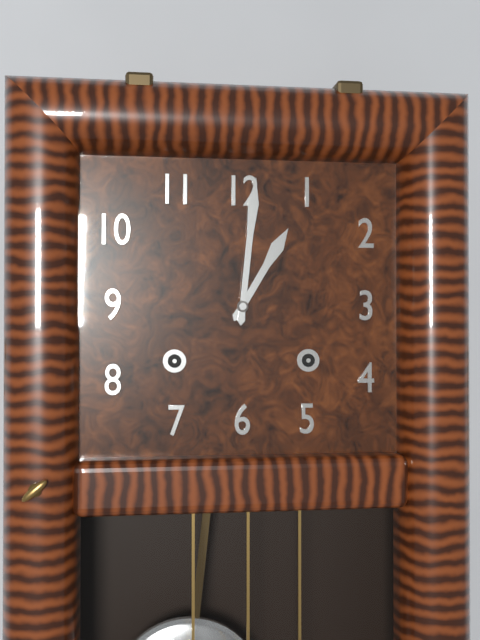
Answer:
1h01
